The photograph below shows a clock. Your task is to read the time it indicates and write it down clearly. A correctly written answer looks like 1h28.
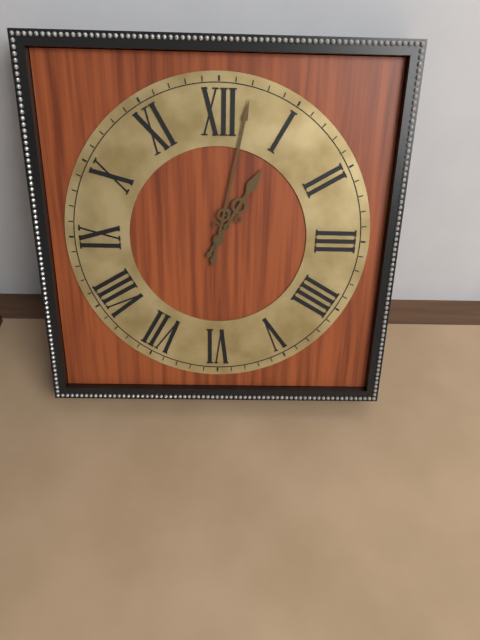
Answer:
1h02
